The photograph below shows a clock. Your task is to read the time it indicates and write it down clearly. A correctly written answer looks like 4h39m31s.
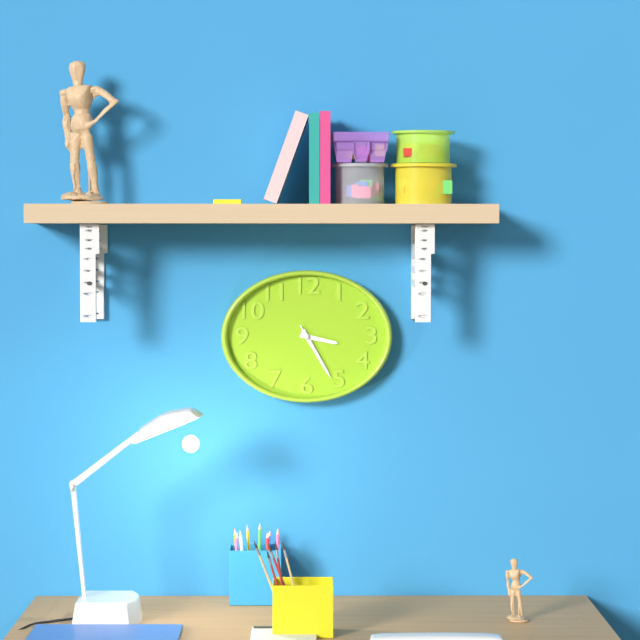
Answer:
3h25m25s
